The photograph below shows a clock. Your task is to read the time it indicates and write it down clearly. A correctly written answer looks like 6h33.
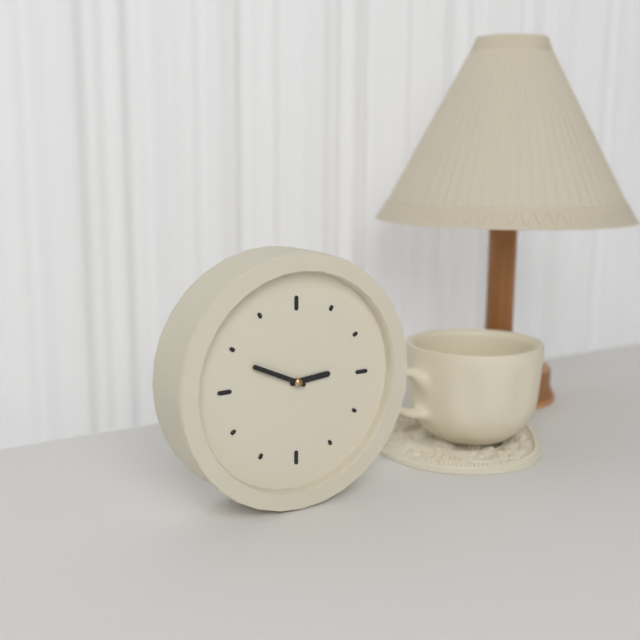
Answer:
2h49
